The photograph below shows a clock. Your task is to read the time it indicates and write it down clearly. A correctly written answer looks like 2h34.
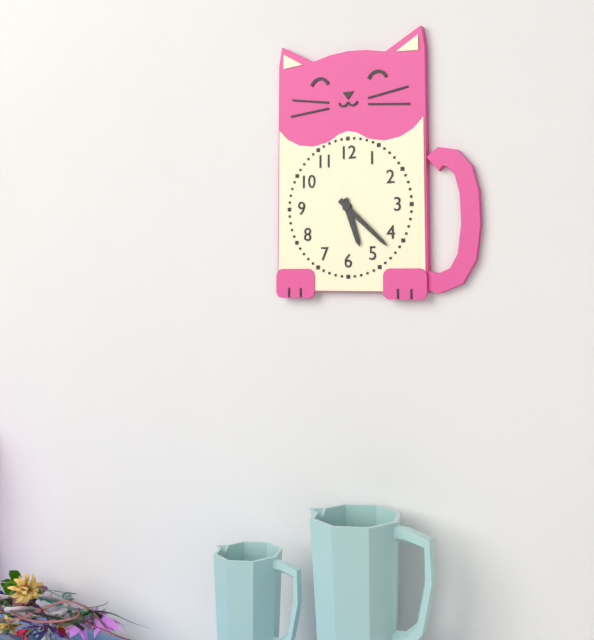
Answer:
5h22
